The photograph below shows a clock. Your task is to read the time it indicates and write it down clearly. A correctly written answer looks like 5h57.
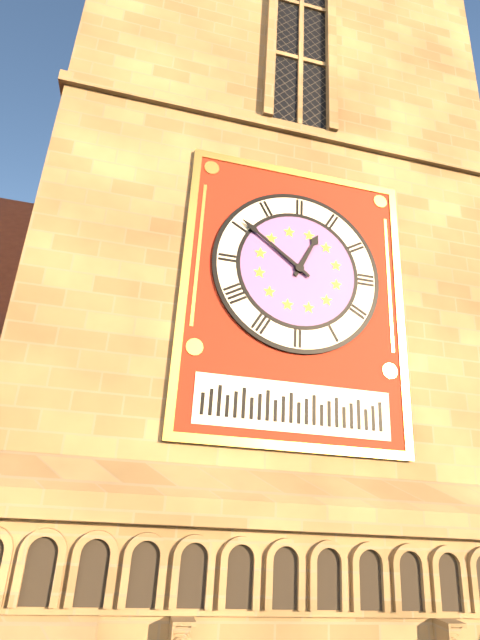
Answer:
12h51
